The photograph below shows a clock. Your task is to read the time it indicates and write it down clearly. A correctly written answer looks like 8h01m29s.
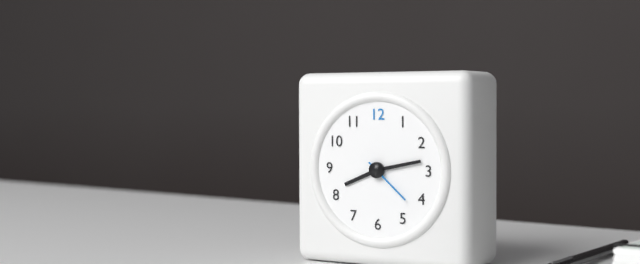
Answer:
8h13m22s
